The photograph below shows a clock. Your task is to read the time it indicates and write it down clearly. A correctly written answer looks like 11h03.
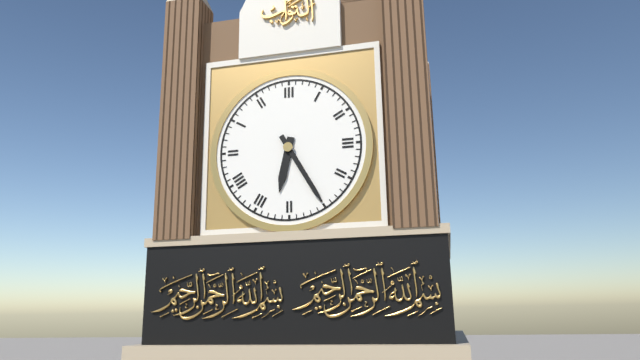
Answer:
6h25
